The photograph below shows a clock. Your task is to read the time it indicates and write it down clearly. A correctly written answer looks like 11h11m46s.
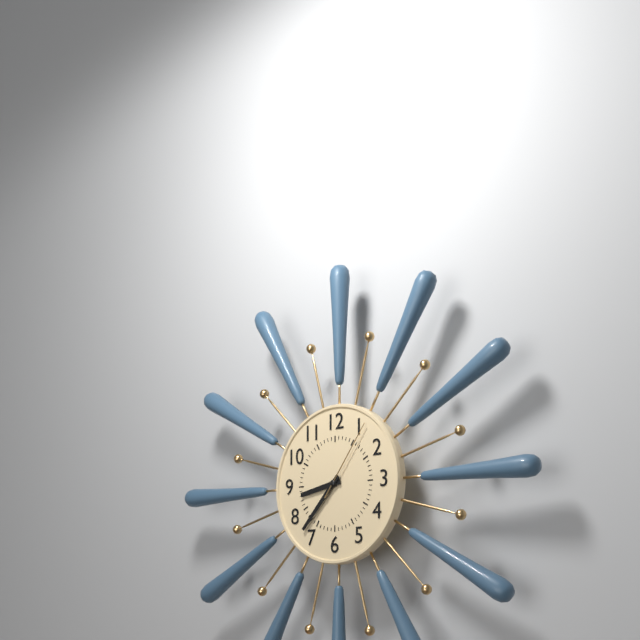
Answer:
8h37m06s
